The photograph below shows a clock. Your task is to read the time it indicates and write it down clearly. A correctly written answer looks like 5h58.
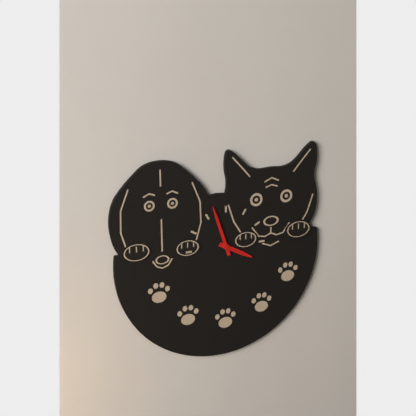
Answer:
3h57
